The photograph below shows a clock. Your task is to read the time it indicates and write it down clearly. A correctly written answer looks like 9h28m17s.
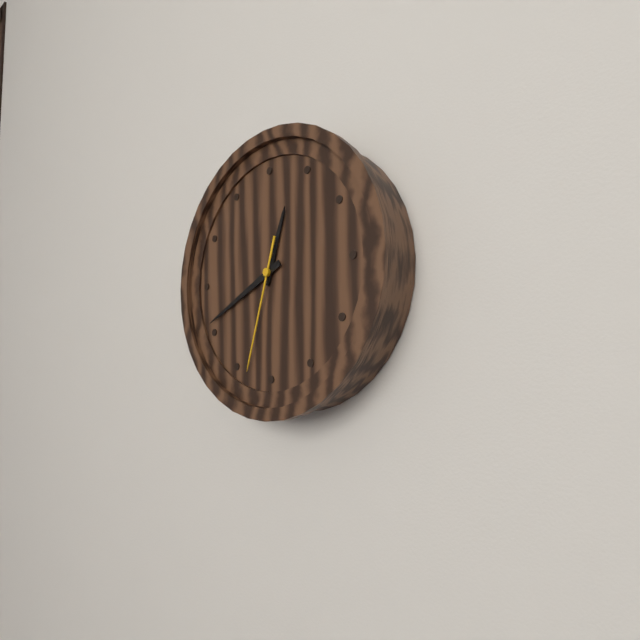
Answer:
12h41m33s
